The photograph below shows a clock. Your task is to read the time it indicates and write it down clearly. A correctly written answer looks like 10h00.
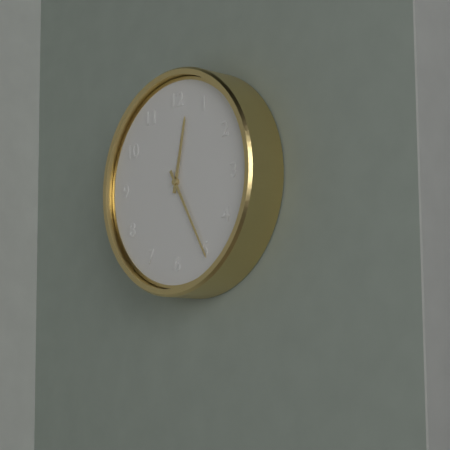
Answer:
12h25
